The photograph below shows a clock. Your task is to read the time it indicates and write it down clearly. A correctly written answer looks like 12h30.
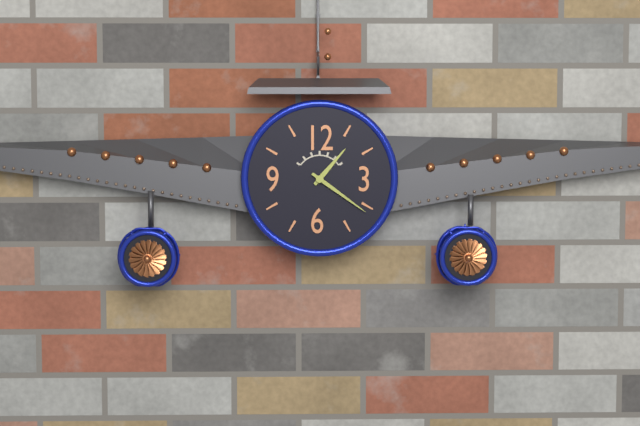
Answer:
1h21
